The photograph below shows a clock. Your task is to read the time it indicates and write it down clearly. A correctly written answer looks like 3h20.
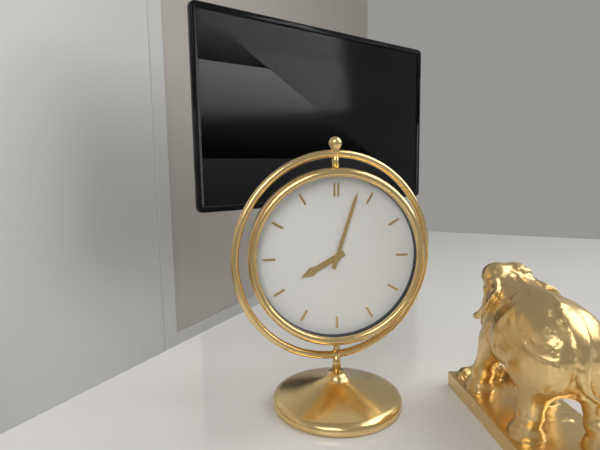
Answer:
8h03
